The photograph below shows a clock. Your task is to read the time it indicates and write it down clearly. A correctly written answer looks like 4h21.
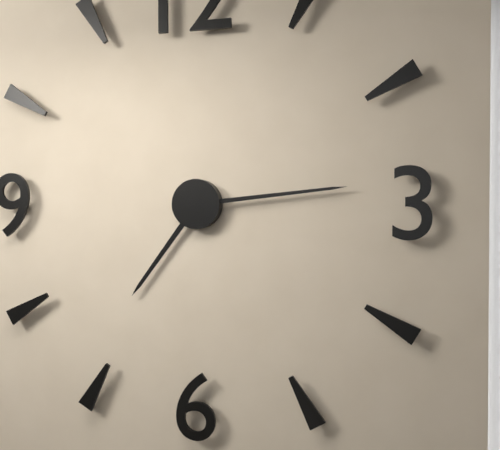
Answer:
7h14
